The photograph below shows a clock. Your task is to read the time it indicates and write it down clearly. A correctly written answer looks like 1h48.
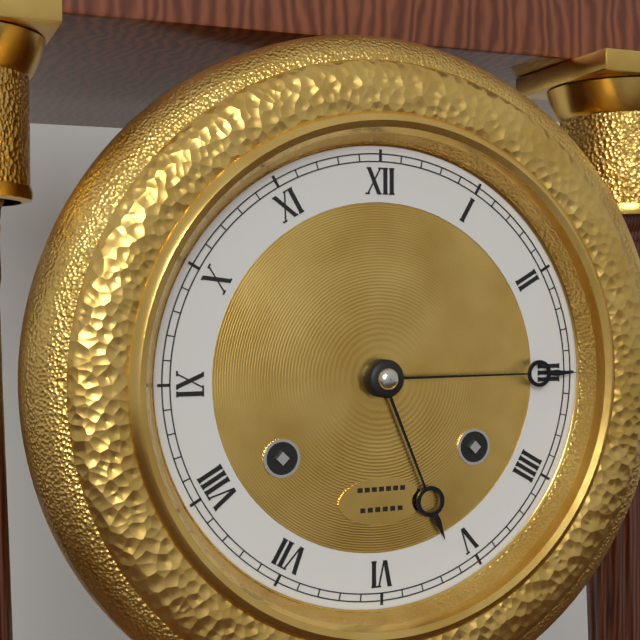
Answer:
5h15
